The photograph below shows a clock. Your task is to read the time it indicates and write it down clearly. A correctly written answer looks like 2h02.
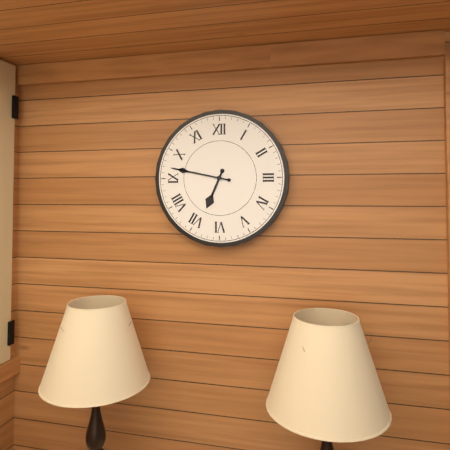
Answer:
6h47
